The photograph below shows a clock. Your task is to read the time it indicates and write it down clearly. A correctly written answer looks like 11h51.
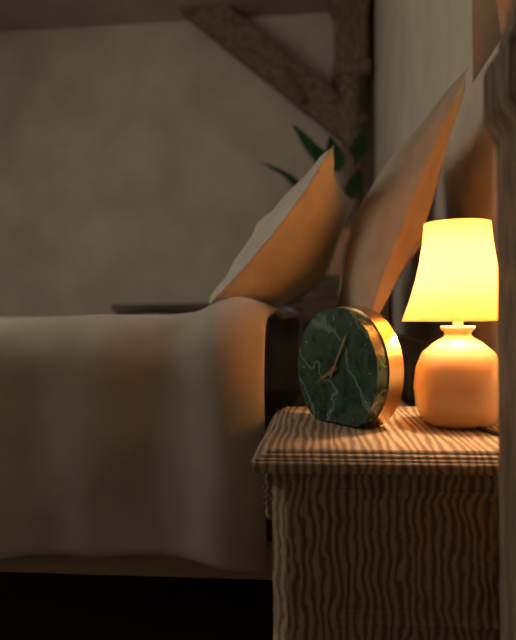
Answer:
8h05
